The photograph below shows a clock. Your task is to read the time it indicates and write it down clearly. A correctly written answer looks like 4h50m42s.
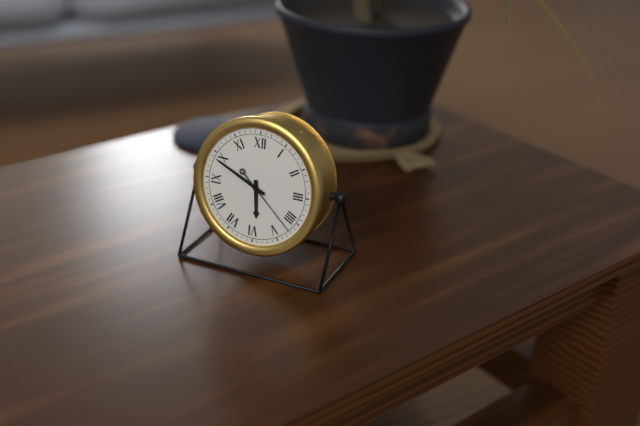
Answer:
5h49m22s
